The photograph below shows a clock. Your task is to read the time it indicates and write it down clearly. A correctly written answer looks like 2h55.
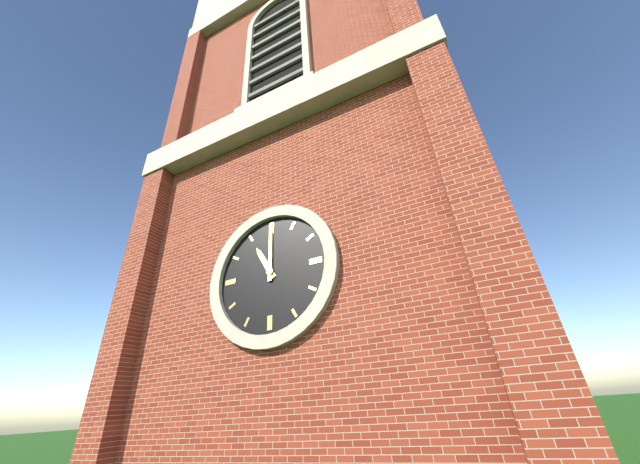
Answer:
11h00
